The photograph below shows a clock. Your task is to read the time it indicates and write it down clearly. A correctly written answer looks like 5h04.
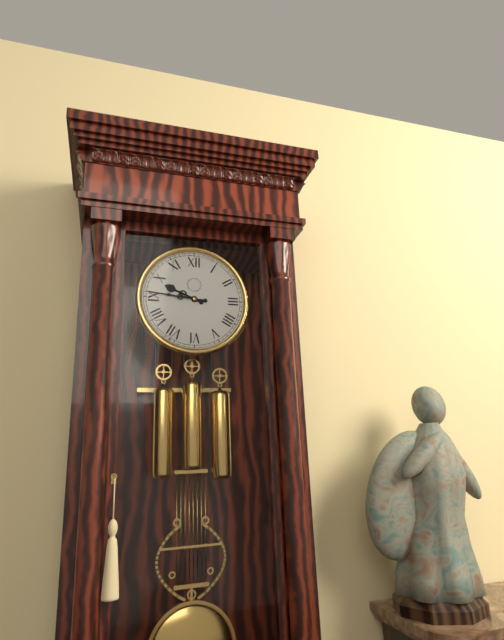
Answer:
9h46
